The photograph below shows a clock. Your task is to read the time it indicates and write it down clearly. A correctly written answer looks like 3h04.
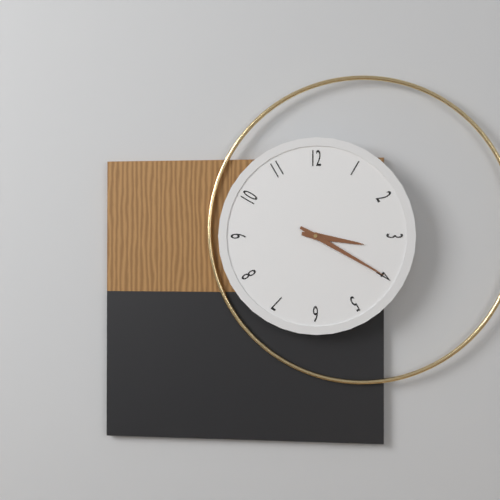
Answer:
3h20
